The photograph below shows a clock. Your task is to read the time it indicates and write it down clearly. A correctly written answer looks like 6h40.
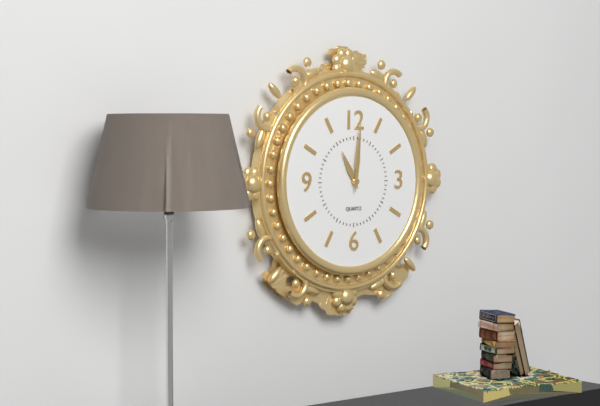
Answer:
11h01
